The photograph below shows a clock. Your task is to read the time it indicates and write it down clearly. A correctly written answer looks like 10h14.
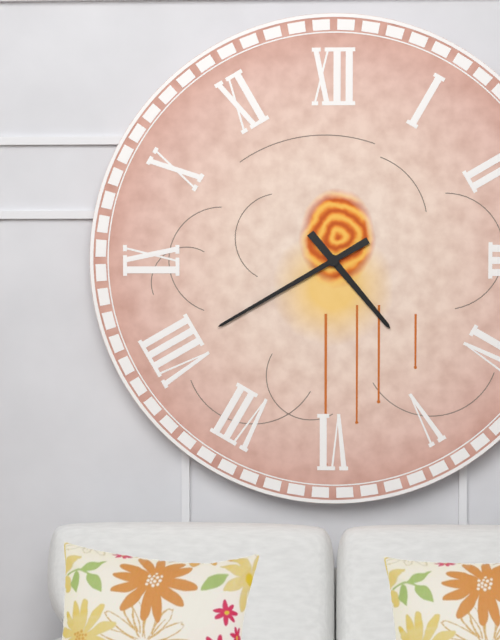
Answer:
4h40
